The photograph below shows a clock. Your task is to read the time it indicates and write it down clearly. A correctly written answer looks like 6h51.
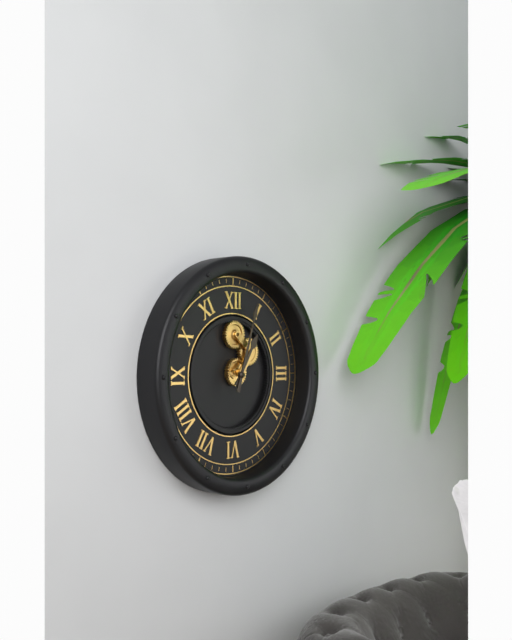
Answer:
1h03
